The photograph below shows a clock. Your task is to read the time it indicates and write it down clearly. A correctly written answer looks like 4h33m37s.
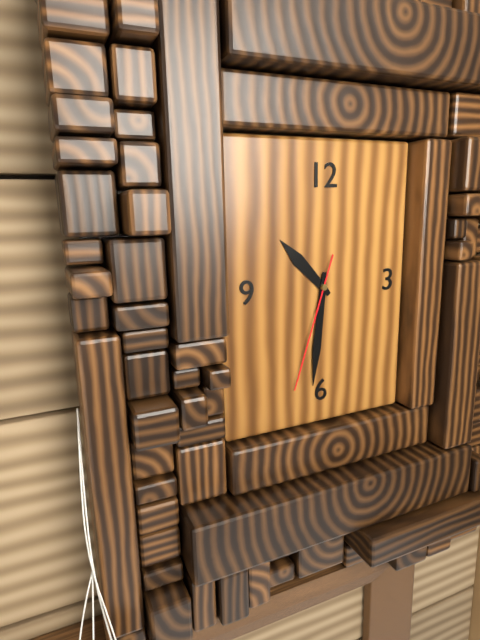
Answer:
10h31m33s
